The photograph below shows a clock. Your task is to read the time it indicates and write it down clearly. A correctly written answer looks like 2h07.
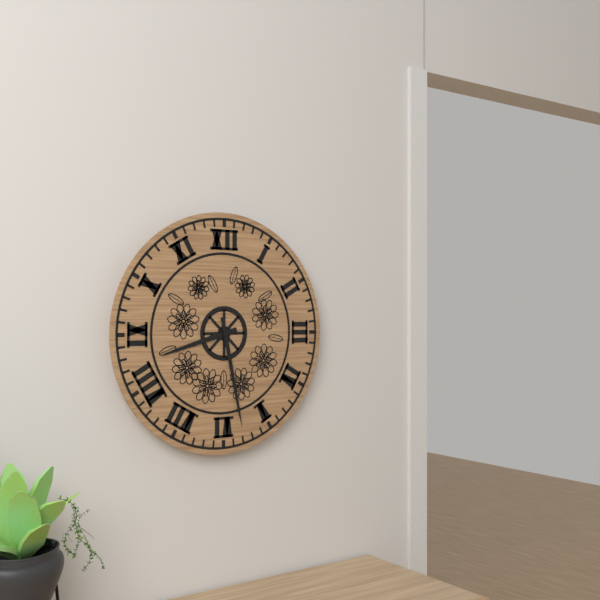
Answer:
8h28
